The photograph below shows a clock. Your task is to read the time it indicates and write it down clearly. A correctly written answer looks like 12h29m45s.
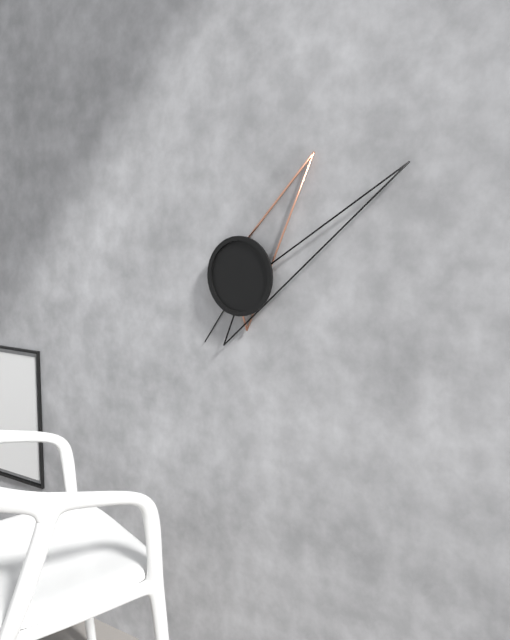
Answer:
1h10m36s
